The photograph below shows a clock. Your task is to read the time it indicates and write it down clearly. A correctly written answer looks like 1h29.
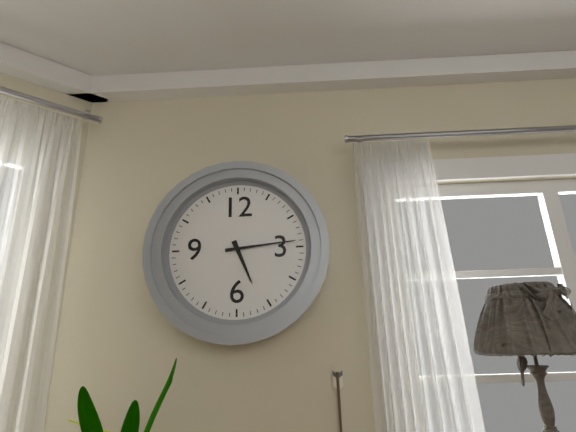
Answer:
5h14
